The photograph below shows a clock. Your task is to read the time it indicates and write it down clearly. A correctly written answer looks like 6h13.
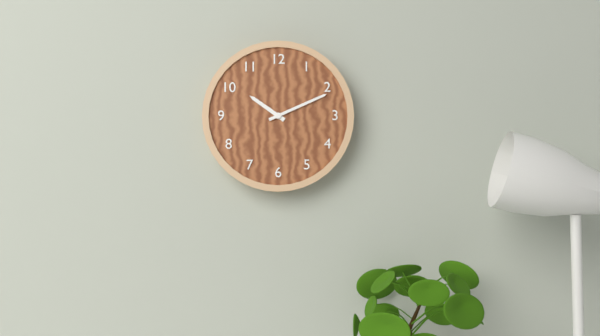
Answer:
10h11
